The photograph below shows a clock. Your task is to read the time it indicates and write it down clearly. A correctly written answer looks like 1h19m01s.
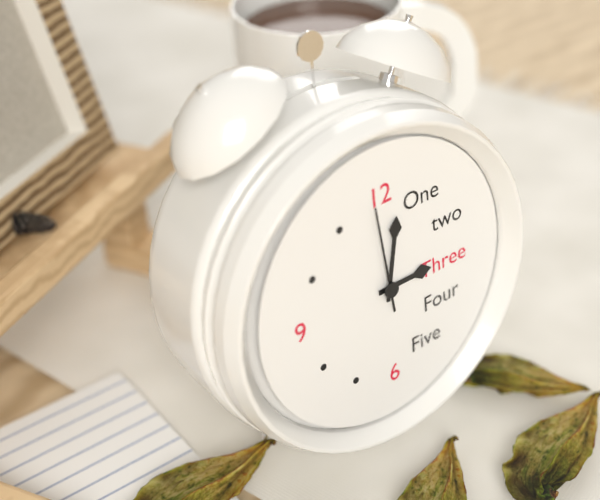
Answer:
3h02m59s
